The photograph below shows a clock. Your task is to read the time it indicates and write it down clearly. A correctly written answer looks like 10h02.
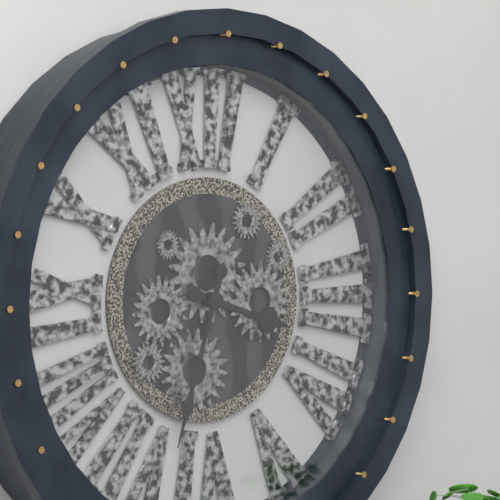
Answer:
3h33
